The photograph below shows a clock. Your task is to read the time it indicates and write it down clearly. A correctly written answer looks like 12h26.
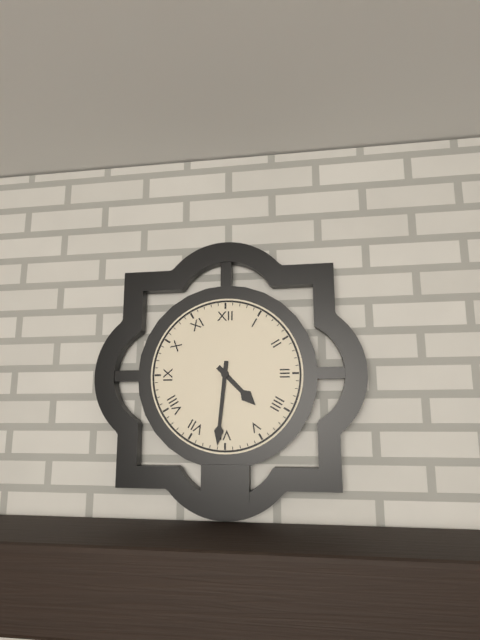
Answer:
4h31
